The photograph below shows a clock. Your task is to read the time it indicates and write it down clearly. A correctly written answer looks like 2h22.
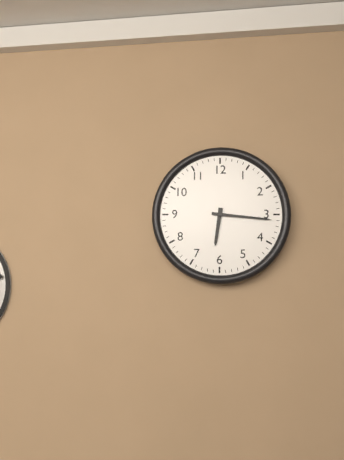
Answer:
6h16
